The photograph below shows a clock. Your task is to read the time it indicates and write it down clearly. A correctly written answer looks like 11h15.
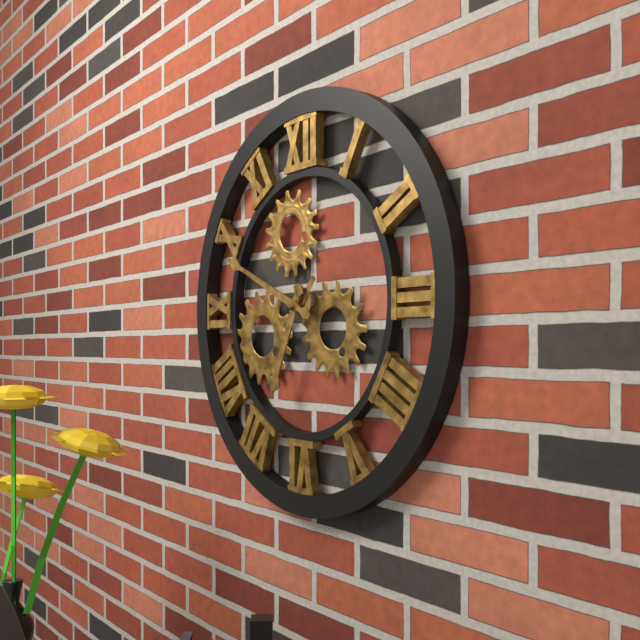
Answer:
6h49
